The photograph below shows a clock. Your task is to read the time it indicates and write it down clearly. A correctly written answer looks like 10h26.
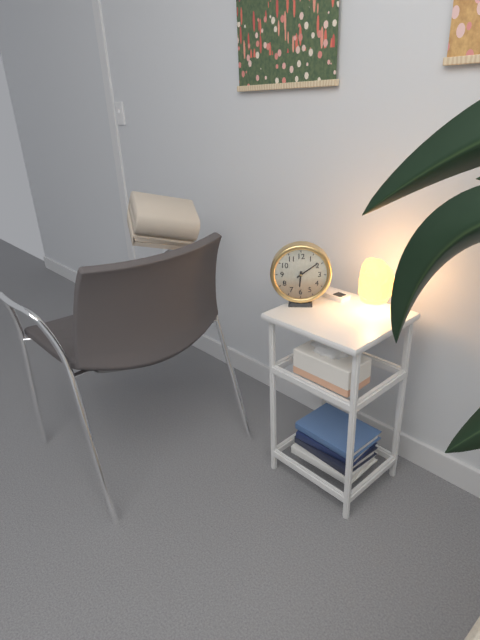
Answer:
6h09
